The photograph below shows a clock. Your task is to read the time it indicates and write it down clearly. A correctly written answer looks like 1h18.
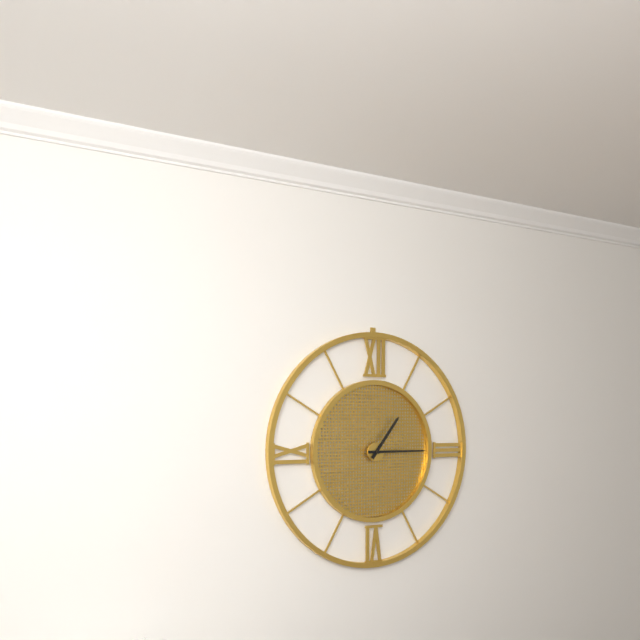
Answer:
1h15
